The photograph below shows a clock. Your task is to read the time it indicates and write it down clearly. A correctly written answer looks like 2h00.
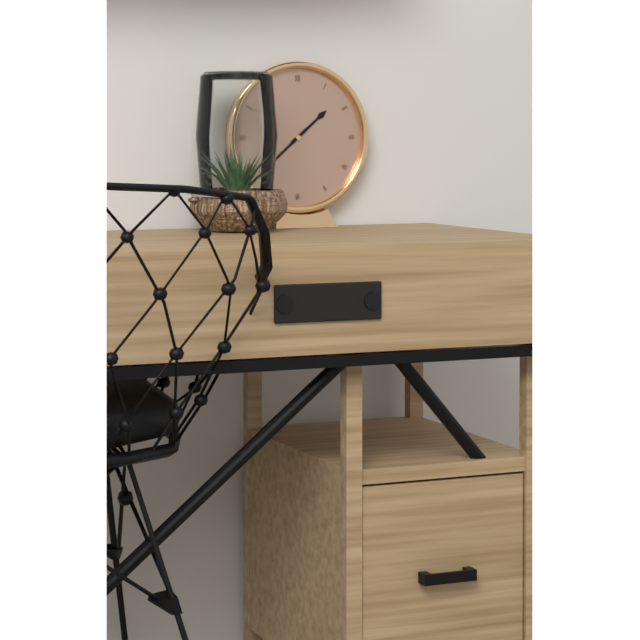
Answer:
1h38
